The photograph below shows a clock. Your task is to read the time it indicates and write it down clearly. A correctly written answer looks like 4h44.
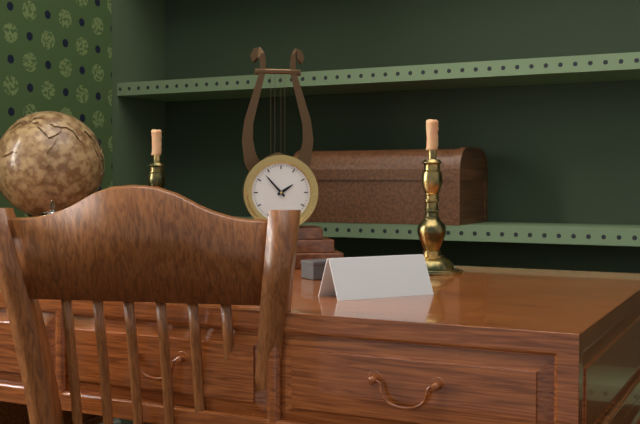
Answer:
1h53
